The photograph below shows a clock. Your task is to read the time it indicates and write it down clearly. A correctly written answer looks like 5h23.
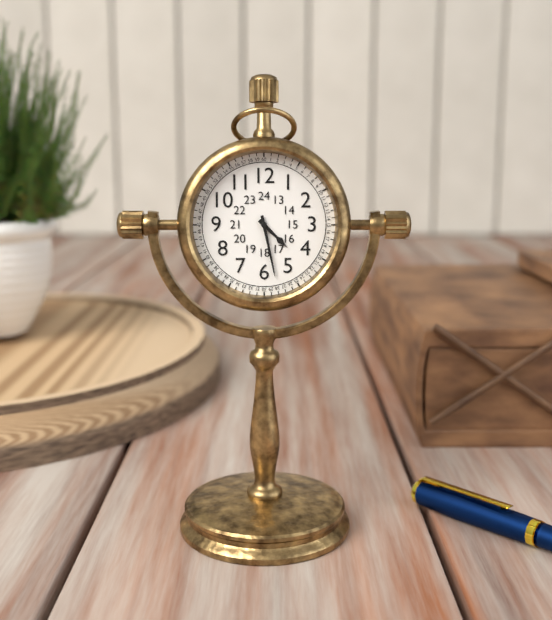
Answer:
4h28
